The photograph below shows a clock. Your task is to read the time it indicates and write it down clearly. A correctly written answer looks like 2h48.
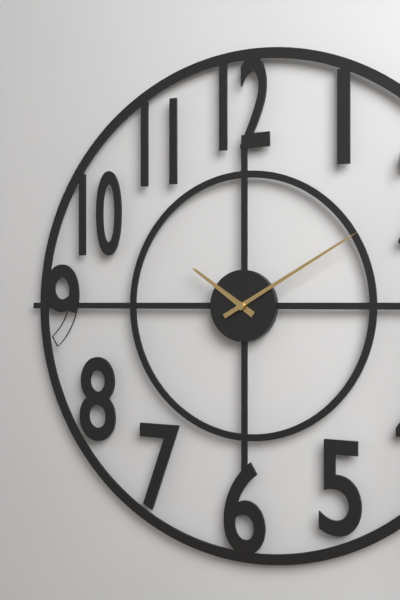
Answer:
10h10
